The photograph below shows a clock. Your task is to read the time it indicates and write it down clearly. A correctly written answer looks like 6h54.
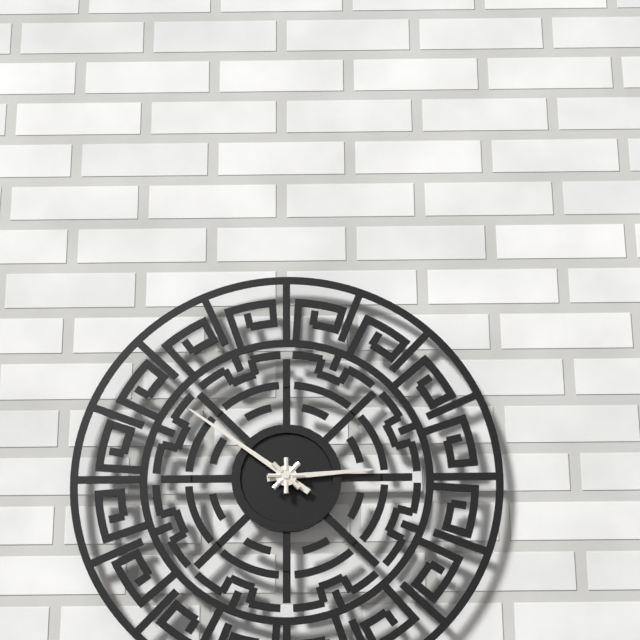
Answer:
2h51
